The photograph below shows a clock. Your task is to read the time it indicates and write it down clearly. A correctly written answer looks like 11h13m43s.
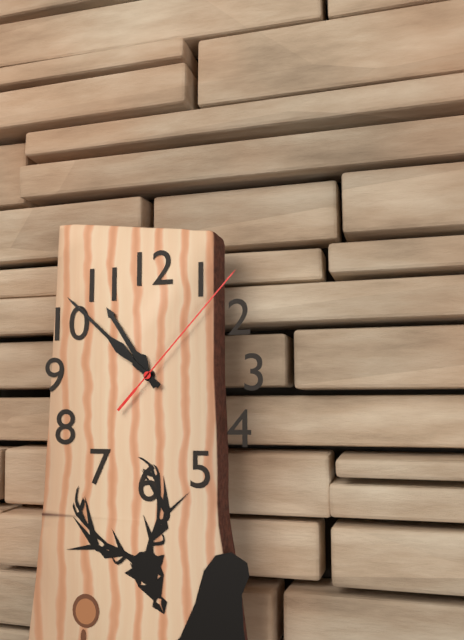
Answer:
10h52m07s
